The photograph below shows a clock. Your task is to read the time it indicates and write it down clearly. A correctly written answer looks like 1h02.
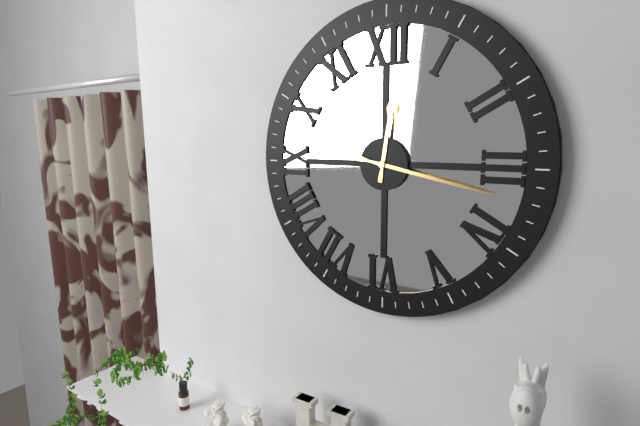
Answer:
12h17
